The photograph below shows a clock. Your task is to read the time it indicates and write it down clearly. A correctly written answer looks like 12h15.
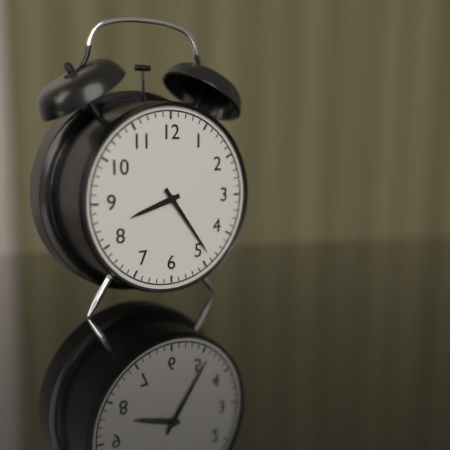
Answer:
8h24
